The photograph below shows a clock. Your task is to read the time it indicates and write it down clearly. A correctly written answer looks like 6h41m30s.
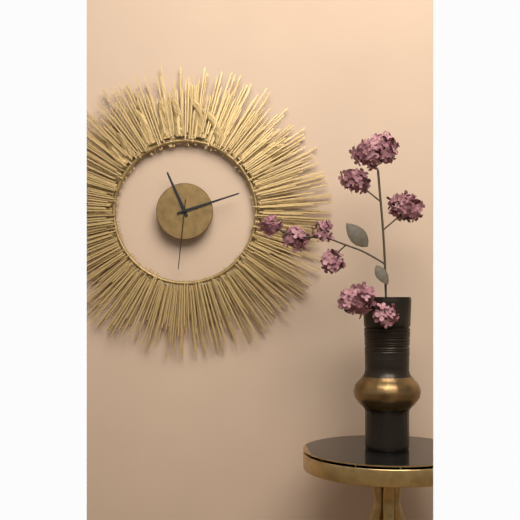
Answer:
11h12m31s
